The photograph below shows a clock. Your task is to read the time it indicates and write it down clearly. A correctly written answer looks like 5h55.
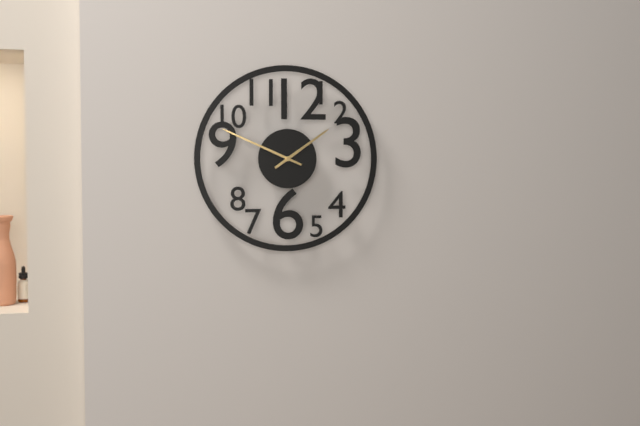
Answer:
1h49
